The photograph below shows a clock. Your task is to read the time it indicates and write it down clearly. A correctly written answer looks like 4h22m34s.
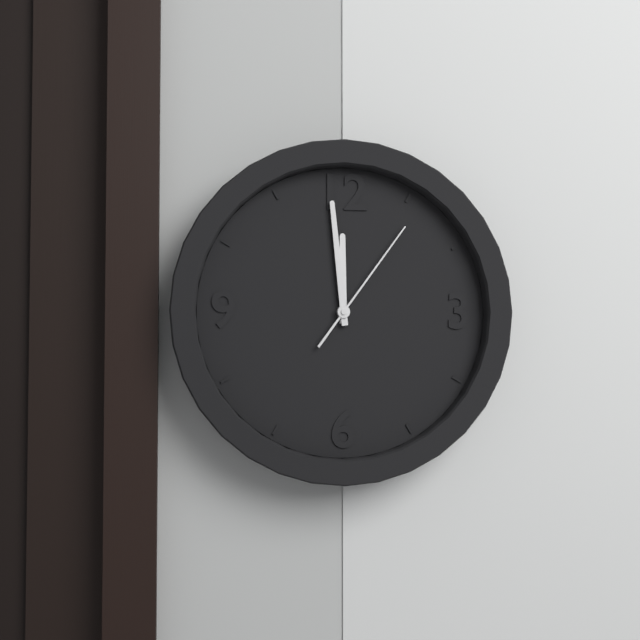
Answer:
11h59m06s
